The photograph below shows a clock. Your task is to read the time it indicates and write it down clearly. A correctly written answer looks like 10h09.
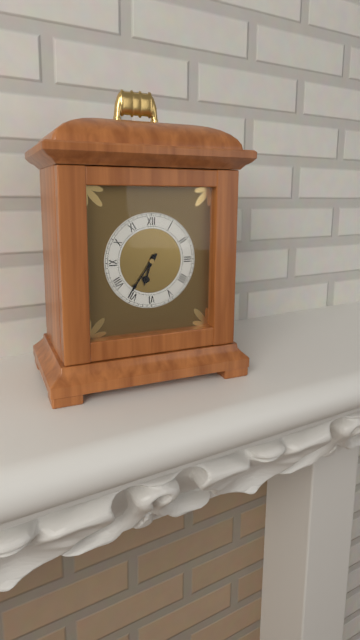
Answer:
6h36
